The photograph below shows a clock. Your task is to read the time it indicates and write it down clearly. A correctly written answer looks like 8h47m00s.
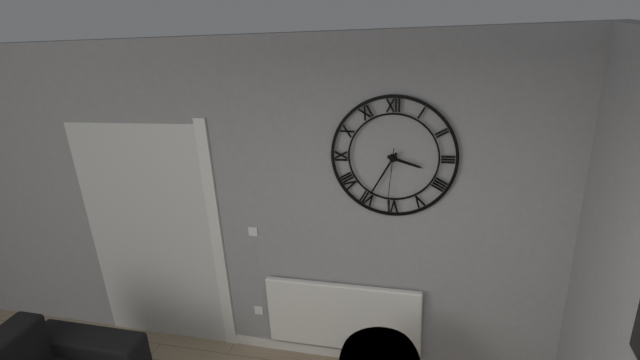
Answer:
3h35m31s
